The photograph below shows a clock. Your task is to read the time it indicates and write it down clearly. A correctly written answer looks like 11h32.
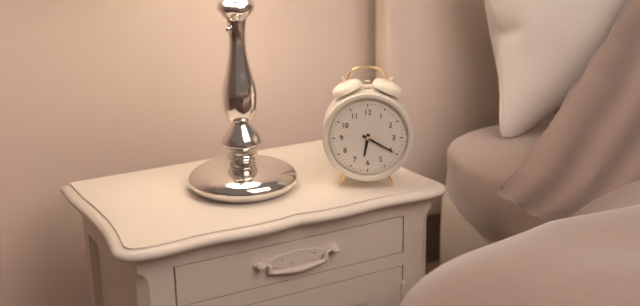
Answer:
6h20
